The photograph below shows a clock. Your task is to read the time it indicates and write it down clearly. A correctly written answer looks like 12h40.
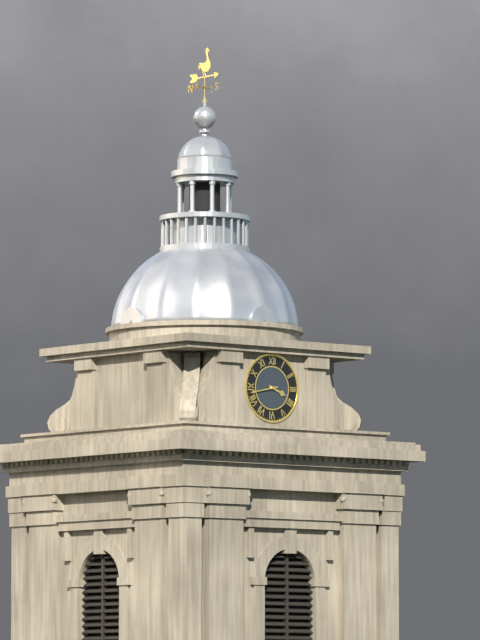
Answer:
3h43
